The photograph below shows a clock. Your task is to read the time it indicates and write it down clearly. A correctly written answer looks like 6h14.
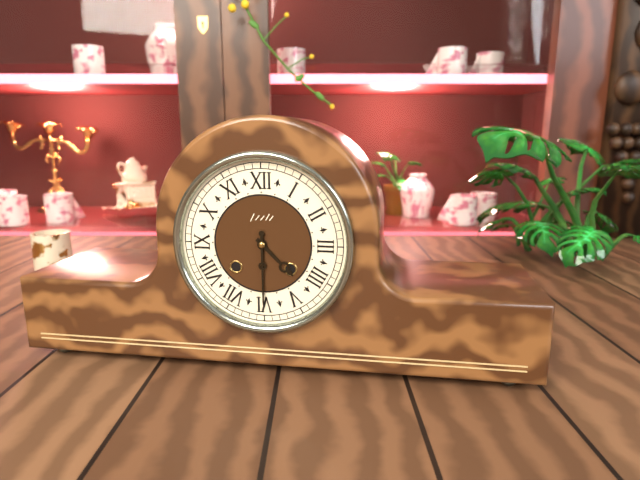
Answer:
4h30
